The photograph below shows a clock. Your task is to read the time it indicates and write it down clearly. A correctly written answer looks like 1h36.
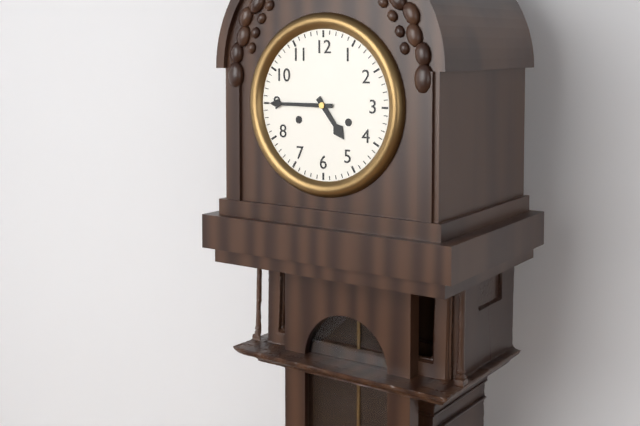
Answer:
4h45
